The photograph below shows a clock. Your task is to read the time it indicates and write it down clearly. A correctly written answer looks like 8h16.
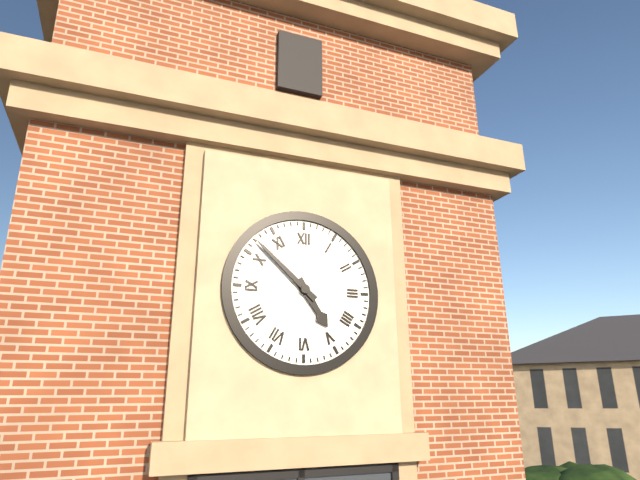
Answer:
4h52
